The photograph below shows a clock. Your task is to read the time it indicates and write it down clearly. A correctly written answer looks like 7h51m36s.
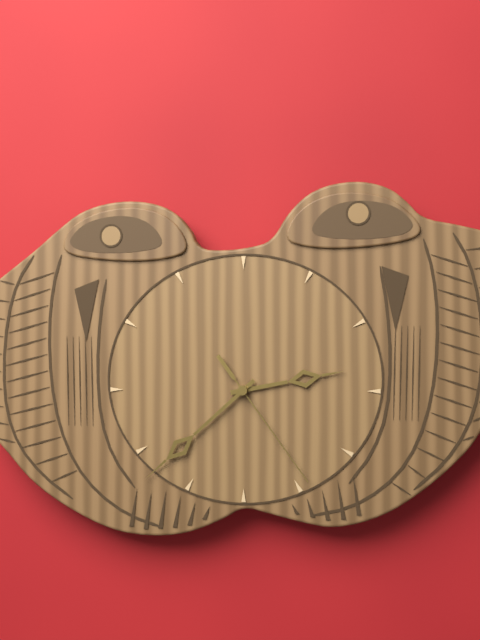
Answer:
2h38m24s
